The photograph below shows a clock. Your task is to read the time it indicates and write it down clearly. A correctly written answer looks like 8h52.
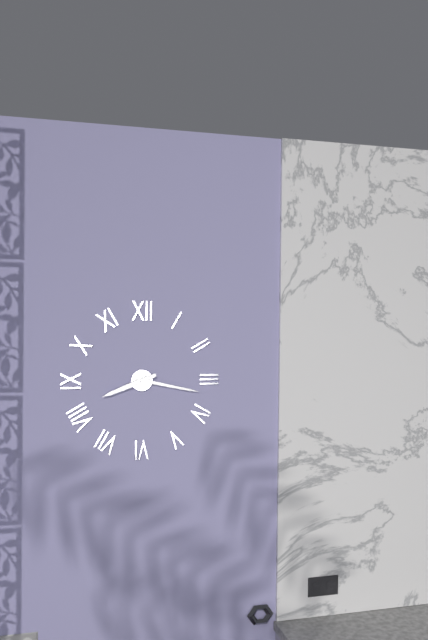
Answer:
8h17
